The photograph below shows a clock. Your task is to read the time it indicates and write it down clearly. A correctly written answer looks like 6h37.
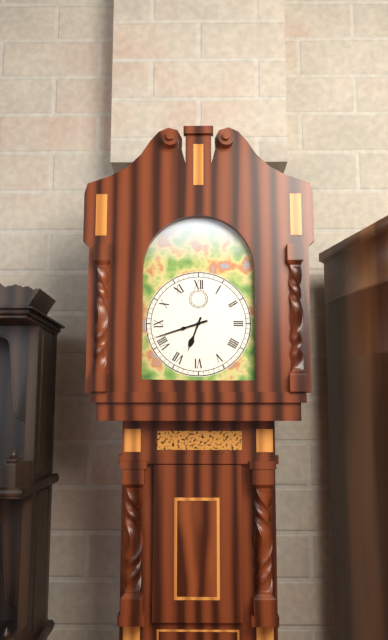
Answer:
6h42
